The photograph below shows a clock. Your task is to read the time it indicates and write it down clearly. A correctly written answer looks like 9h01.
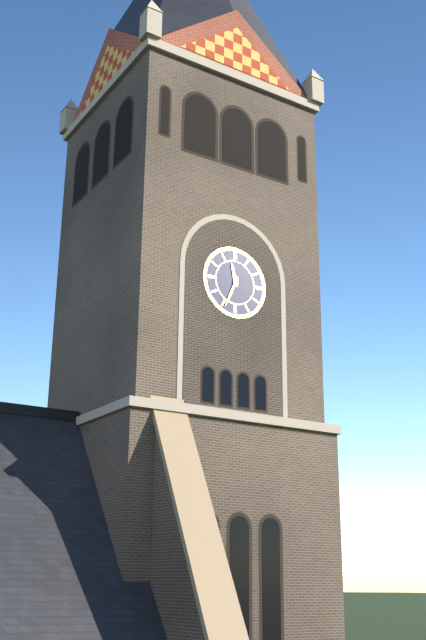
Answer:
11h34
